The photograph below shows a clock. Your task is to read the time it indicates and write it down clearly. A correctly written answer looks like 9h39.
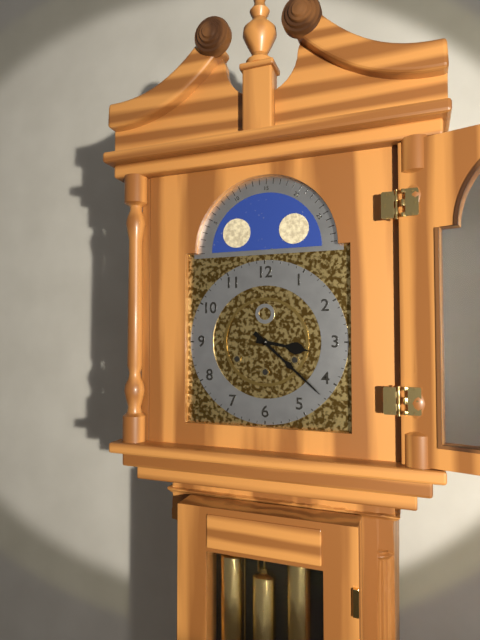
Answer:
3h22
